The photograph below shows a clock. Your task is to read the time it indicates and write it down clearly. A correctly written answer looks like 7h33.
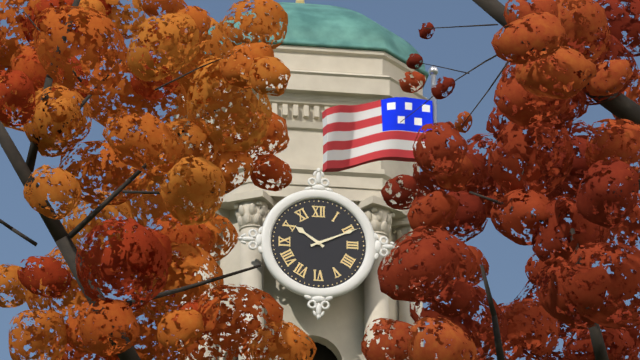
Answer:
10h11
